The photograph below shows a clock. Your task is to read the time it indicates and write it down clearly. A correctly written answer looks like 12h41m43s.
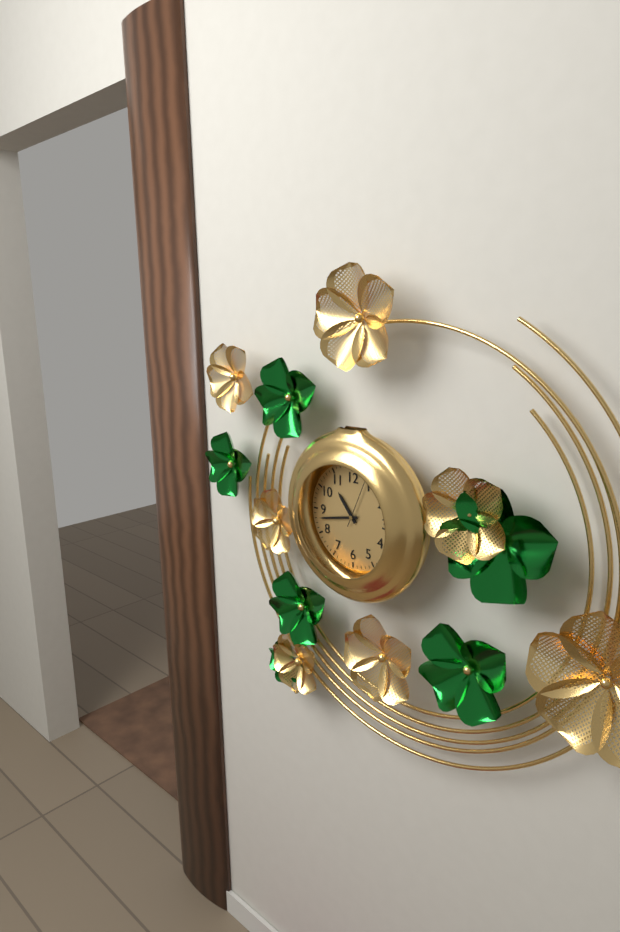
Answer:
10h43m04s
